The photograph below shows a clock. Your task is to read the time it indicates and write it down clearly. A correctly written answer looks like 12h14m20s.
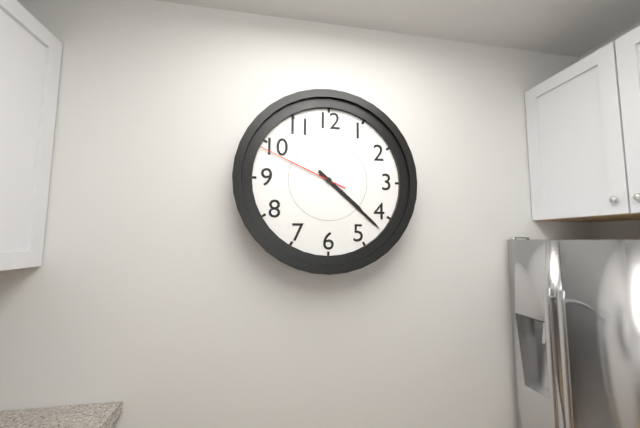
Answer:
4h22m49s
